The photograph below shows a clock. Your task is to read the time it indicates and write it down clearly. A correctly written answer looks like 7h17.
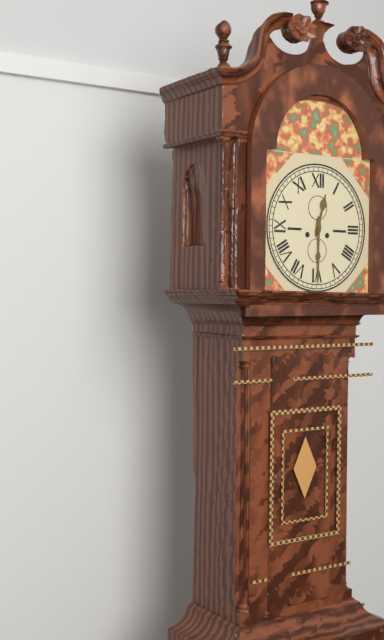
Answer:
12h30
